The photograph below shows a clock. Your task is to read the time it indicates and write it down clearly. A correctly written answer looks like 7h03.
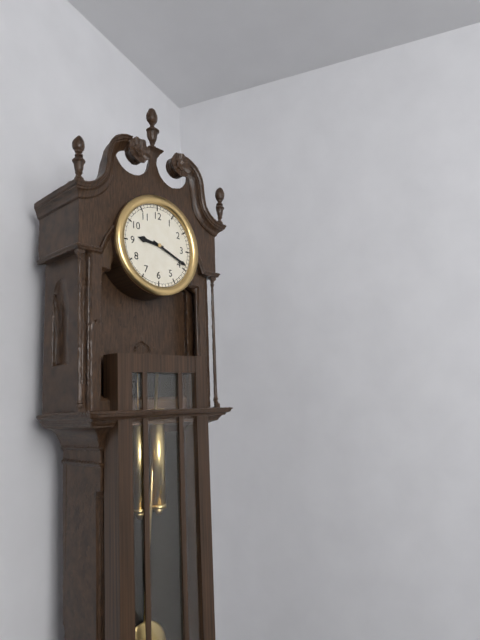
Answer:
9h19
